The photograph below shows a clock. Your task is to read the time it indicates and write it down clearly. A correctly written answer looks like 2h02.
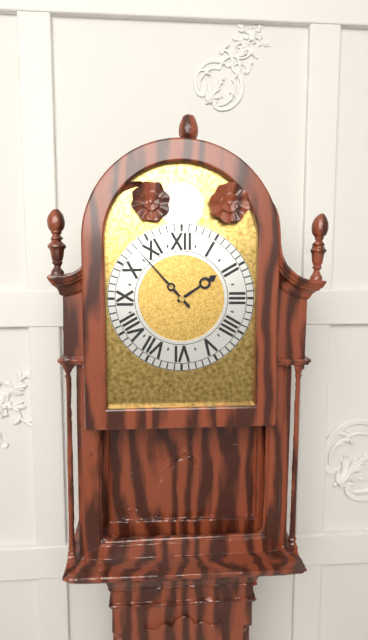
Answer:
1h53
